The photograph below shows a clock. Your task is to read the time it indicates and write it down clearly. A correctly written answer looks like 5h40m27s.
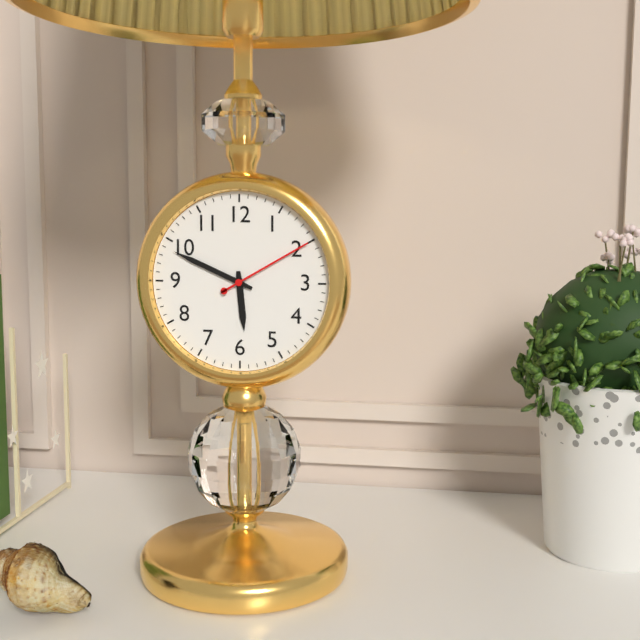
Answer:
5h49m10s
